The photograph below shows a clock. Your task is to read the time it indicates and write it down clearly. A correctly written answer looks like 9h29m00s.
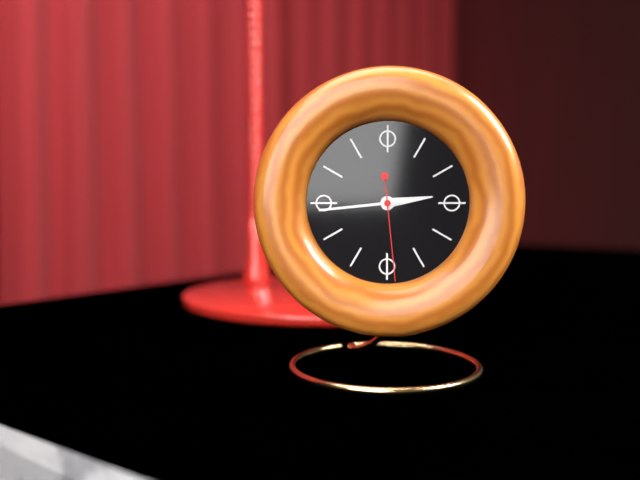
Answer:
2h44m29s
